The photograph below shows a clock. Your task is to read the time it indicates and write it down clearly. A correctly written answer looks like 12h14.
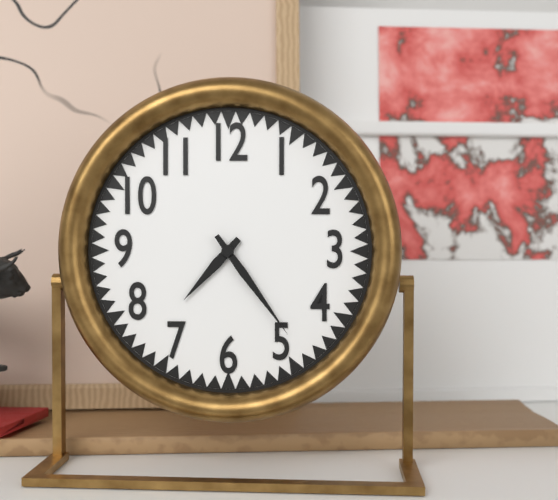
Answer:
7h24
